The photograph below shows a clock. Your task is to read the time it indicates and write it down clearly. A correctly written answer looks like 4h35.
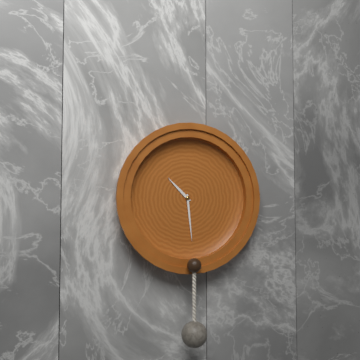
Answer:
10h29
